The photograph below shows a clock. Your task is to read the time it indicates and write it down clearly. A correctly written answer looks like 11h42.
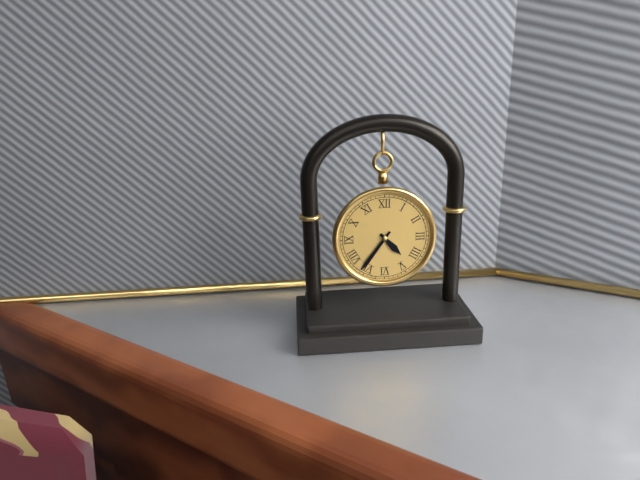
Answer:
4h36
